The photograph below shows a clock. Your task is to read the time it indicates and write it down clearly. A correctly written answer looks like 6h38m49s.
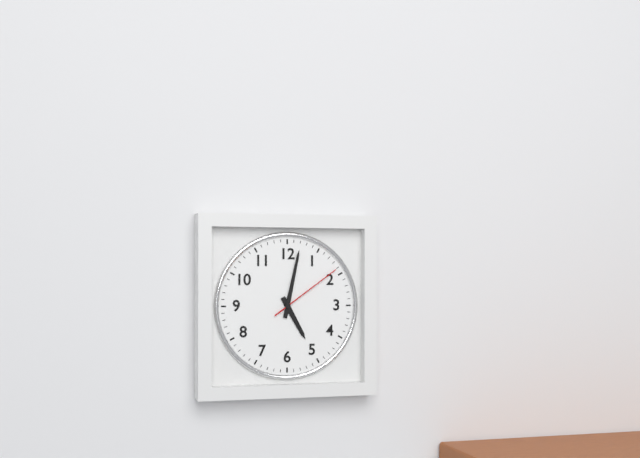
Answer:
5h02m09s
